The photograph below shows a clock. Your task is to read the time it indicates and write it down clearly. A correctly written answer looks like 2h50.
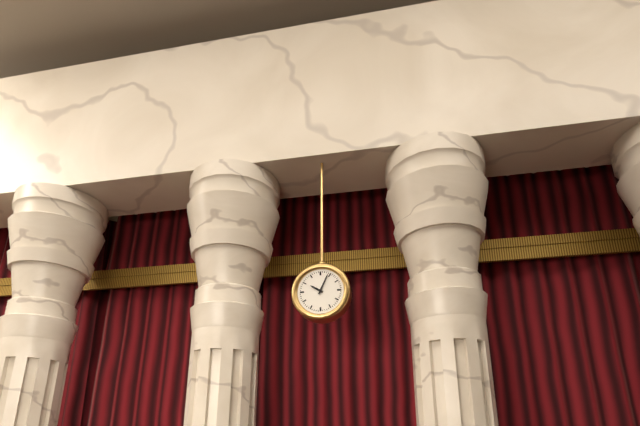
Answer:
10h04
